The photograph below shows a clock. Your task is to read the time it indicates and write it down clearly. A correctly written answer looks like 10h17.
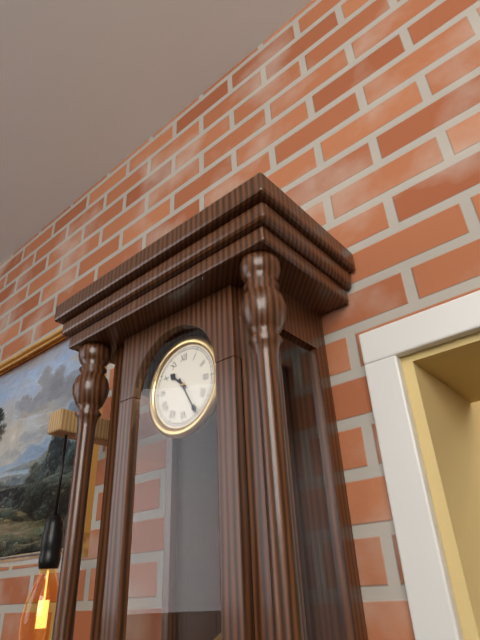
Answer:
10h25
